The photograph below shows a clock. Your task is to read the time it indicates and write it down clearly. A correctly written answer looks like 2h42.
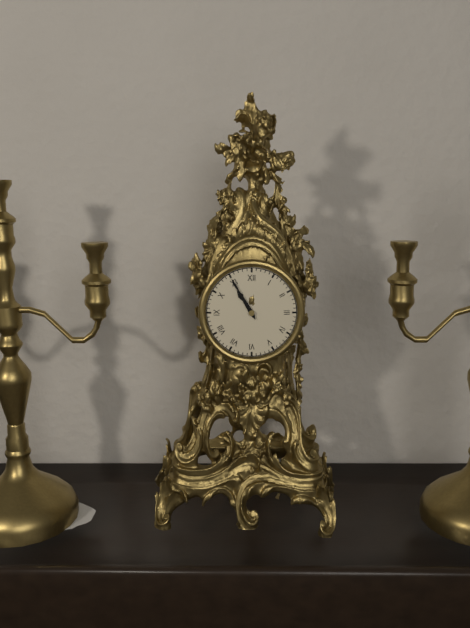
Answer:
10h55
